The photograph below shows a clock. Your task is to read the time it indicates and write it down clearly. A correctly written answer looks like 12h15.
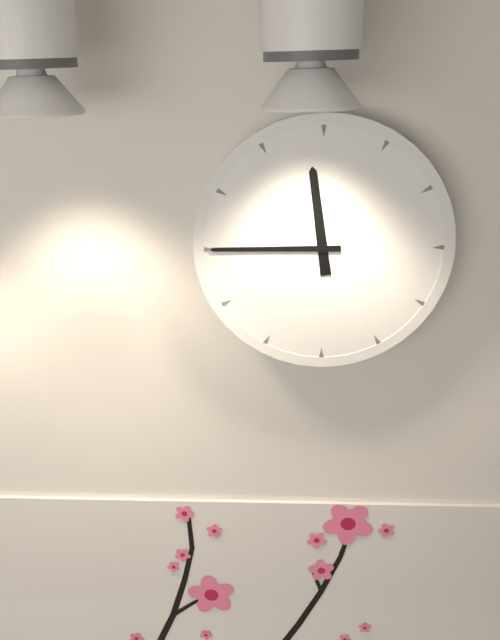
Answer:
11h45
